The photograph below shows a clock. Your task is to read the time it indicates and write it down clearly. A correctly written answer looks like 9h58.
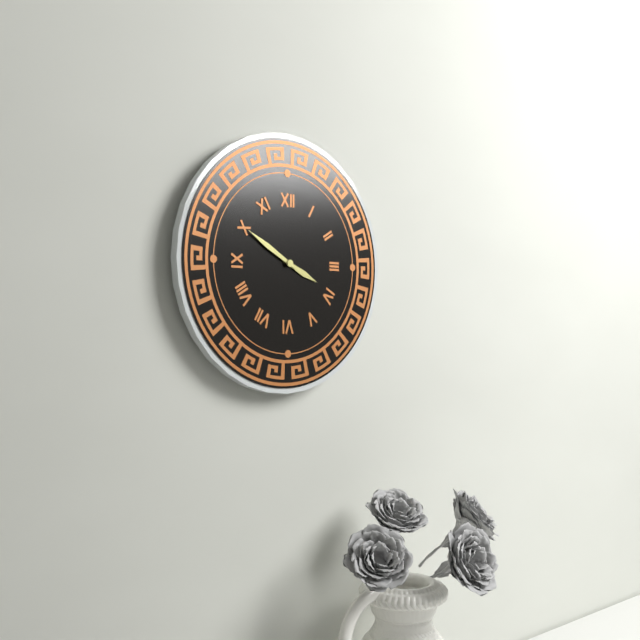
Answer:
3h50
